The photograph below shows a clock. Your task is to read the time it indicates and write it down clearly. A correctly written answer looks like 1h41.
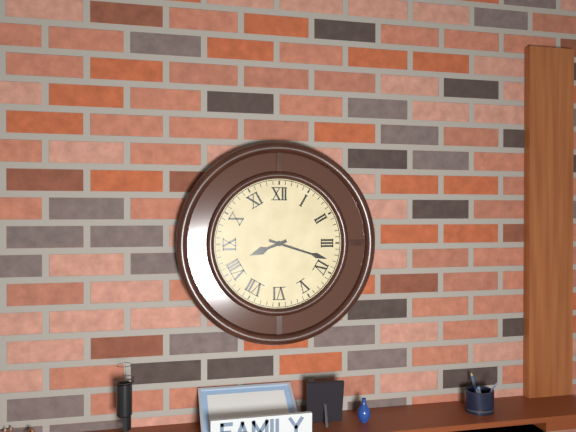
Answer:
8h18
